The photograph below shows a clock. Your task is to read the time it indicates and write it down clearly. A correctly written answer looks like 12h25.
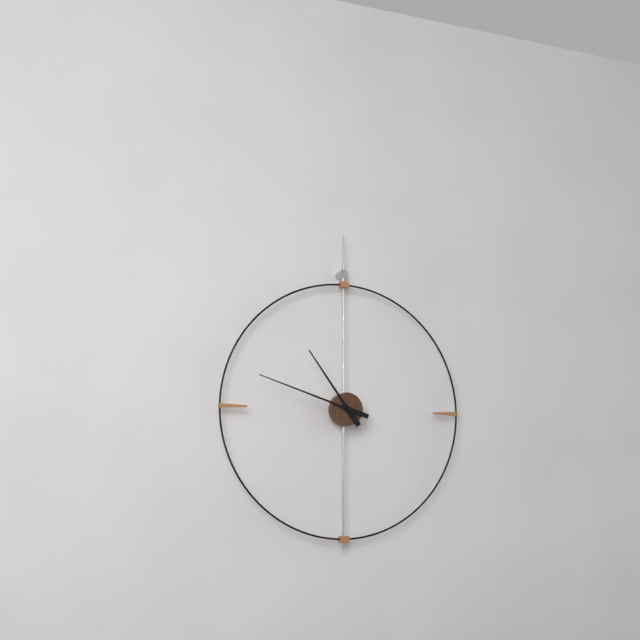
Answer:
10h48
